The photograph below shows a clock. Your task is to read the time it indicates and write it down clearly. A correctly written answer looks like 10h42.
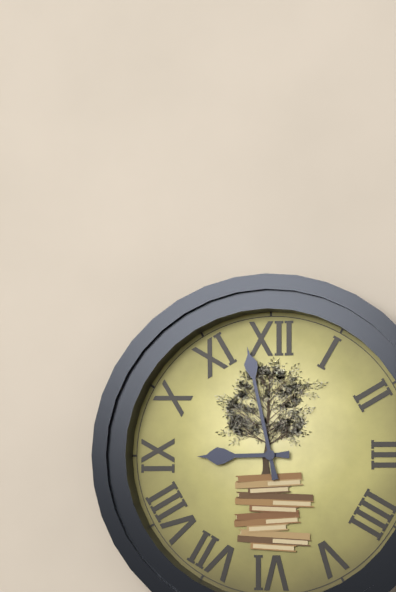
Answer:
8h58
